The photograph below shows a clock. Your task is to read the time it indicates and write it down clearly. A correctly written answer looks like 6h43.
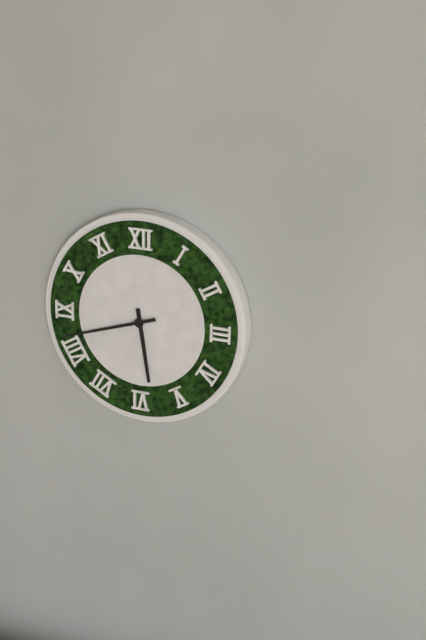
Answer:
5h42
